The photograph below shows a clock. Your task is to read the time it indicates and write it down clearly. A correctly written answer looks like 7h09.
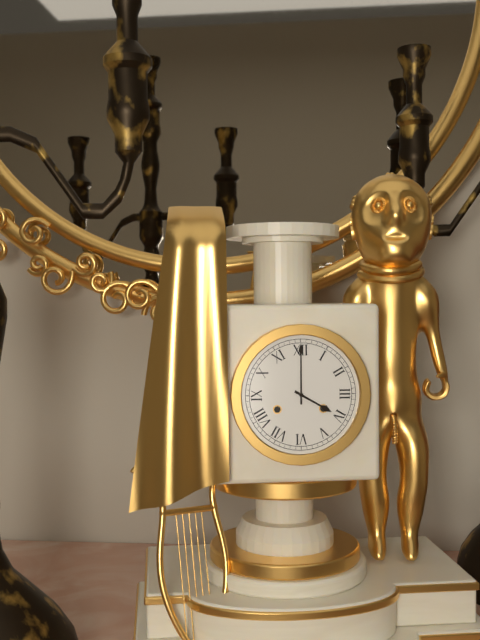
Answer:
4h00
